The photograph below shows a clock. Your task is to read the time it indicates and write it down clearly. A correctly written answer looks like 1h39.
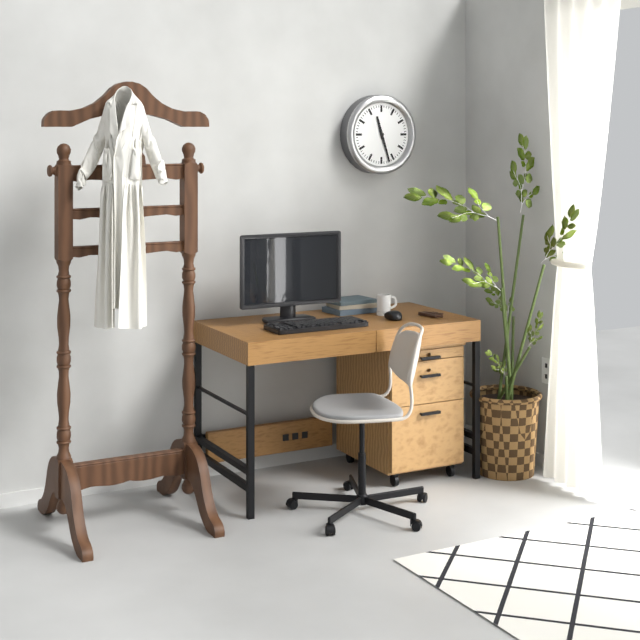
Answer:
11h27
